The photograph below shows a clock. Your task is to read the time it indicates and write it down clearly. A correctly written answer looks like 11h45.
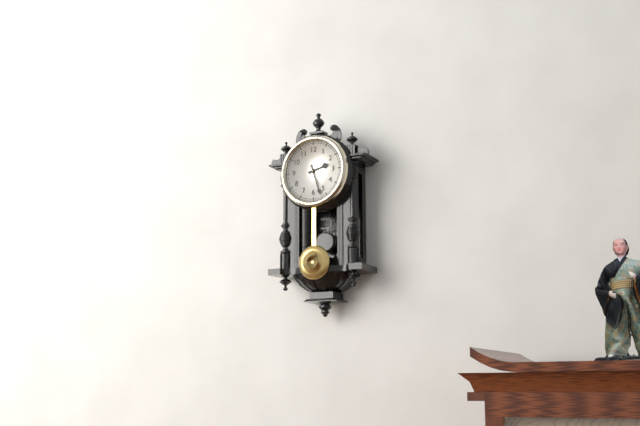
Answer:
2h27
